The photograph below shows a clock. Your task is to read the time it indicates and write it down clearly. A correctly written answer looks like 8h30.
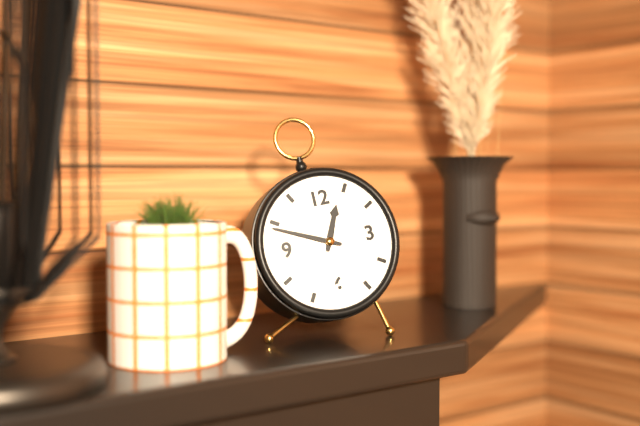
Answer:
12h49
